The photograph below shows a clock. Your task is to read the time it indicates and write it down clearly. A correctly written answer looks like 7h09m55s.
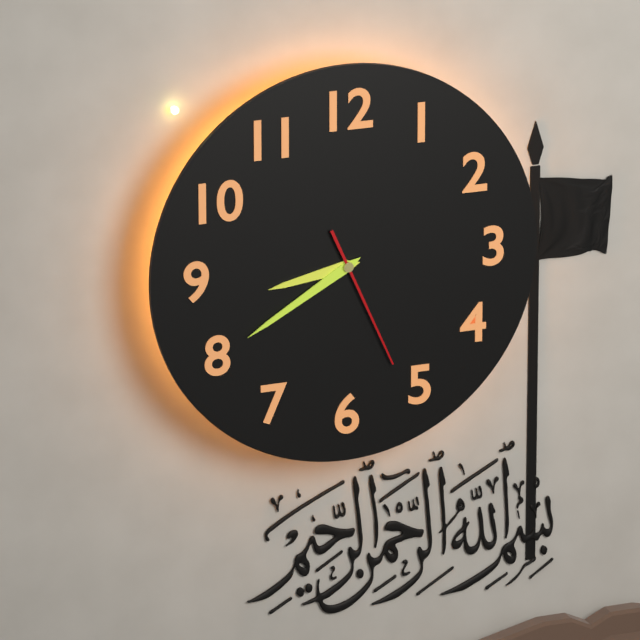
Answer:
8h40m26s
